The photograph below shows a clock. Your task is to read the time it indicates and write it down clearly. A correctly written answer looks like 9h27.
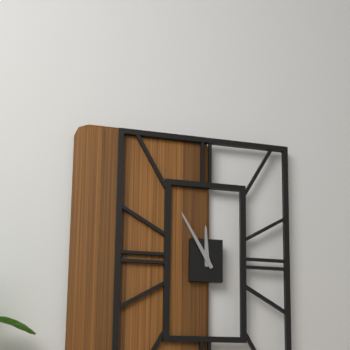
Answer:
11h55
